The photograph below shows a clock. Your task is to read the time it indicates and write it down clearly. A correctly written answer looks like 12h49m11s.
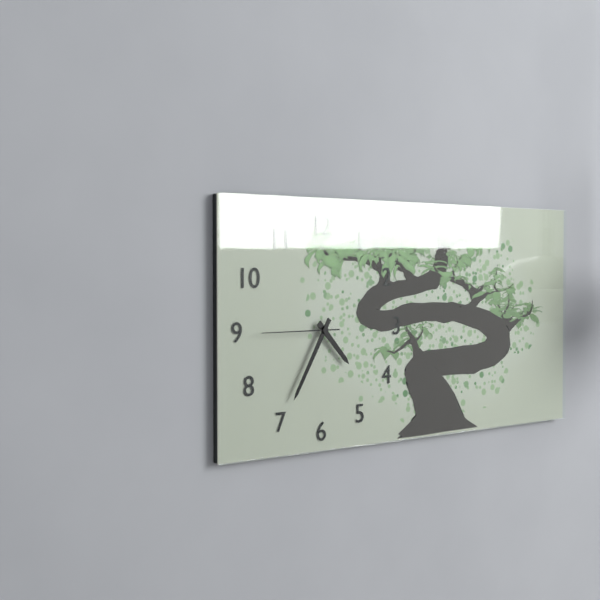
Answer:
4h35m45s
